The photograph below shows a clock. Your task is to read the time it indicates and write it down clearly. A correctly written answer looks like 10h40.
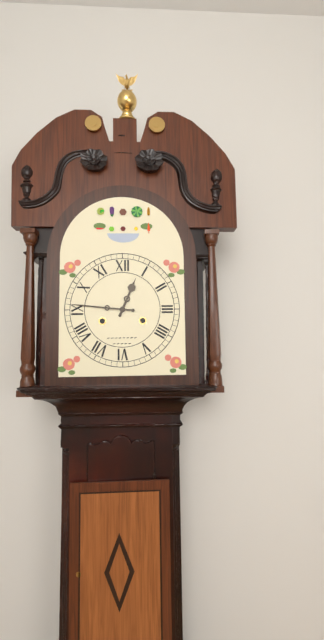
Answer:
12h46
